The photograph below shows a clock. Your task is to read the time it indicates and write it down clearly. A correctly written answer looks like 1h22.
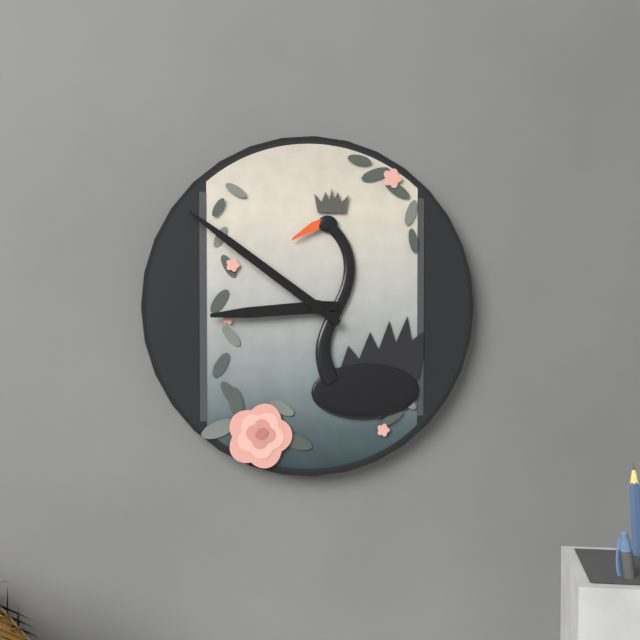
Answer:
8h51
